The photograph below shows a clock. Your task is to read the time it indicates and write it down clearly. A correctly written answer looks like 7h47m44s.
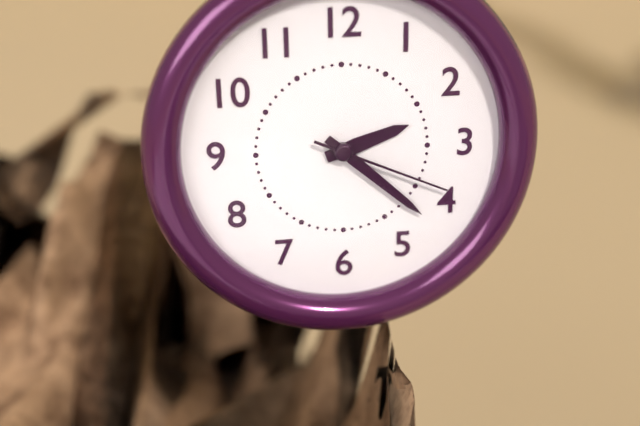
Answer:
2h22m19s
